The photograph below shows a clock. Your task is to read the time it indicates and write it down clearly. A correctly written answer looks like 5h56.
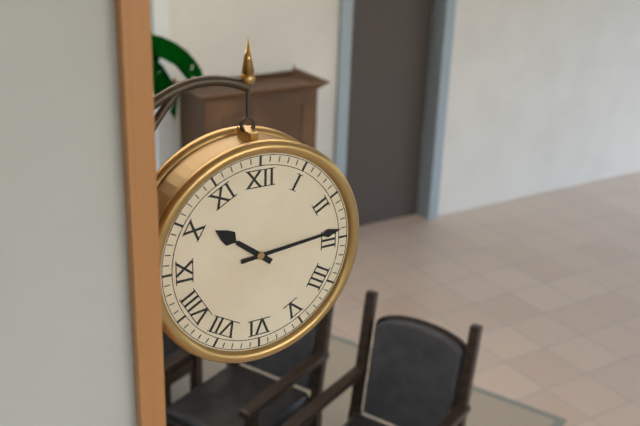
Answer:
10h14
